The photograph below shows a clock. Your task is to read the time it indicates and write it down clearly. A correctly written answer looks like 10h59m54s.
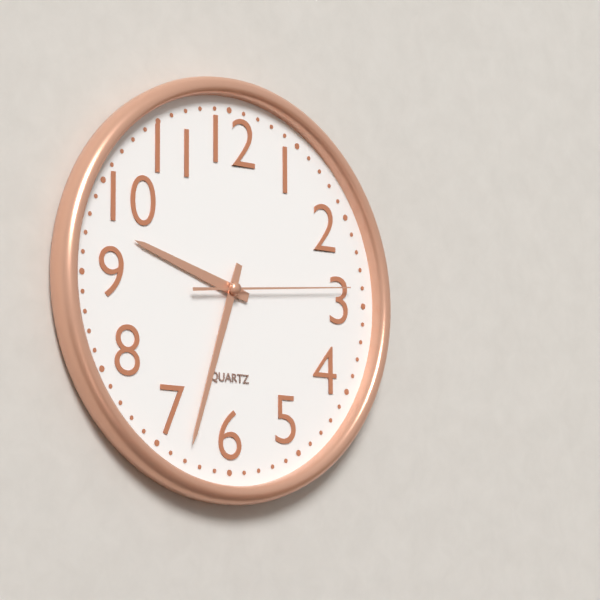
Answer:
9h33m14s
